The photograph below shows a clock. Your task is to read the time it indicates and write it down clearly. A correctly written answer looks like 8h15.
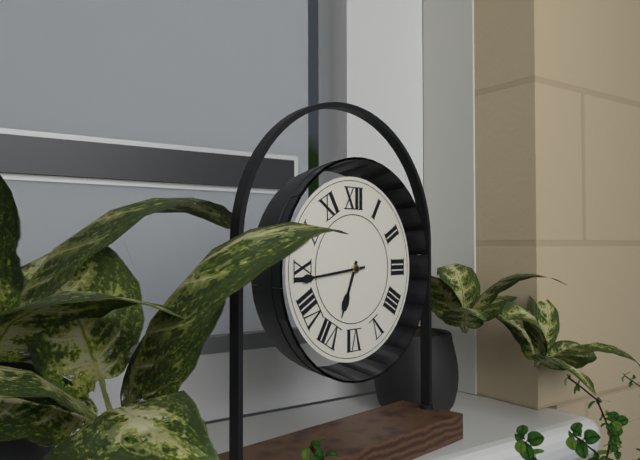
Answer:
6h44
